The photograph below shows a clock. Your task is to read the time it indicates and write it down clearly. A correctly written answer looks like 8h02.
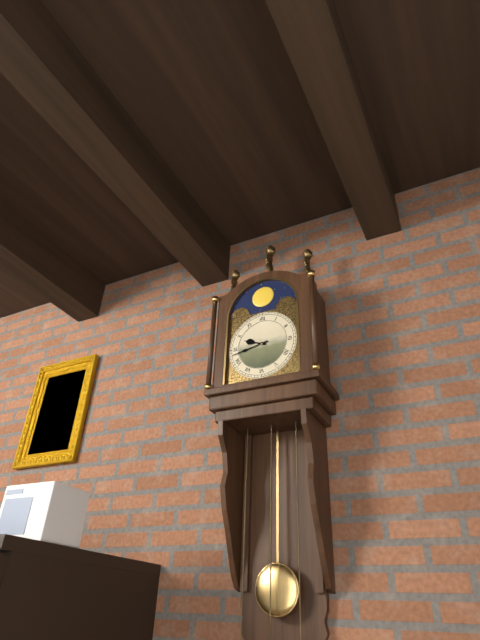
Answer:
9h43
